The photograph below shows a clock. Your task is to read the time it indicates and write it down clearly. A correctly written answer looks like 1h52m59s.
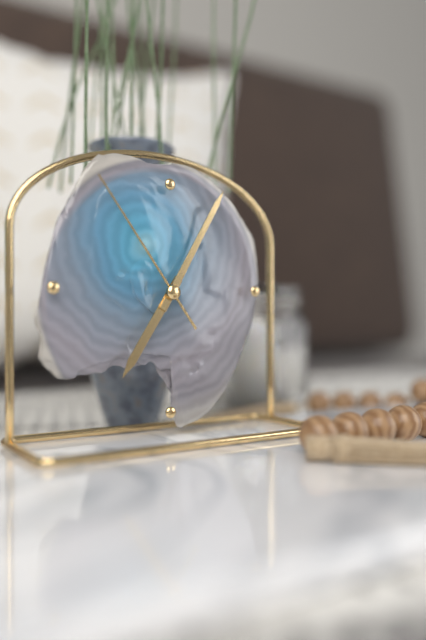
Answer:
7h05m54s
